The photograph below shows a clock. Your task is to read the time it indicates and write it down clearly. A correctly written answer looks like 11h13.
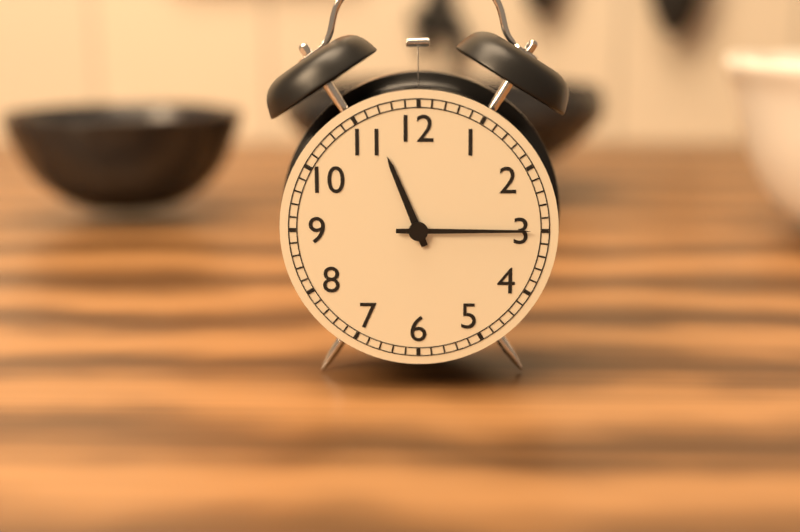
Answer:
11h15
